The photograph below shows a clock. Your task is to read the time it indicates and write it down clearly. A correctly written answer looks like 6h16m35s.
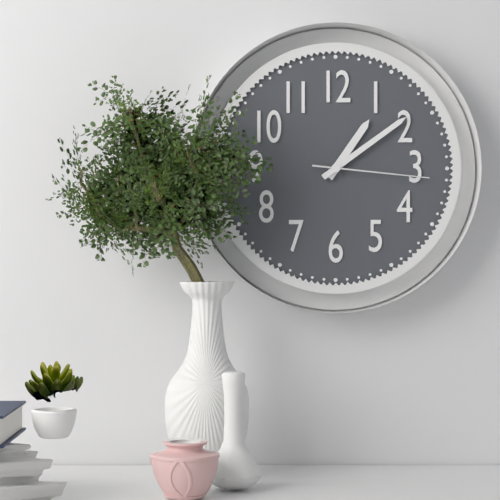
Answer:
1h09m16s
